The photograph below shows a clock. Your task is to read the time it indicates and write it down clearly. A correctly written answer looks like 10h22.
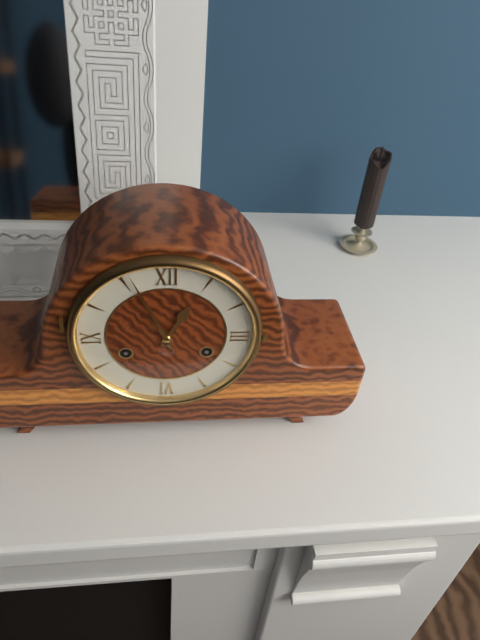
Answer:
12h56
